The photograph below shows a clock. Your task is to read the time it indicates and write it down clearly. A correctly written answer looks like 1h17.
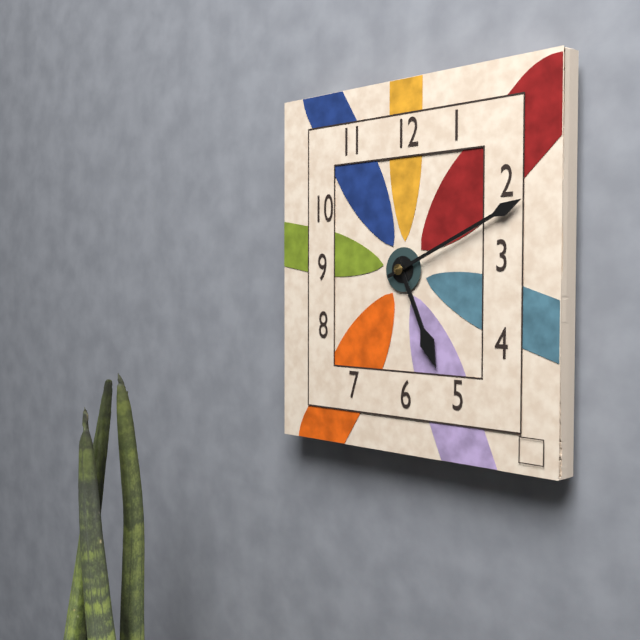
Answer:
5h11
